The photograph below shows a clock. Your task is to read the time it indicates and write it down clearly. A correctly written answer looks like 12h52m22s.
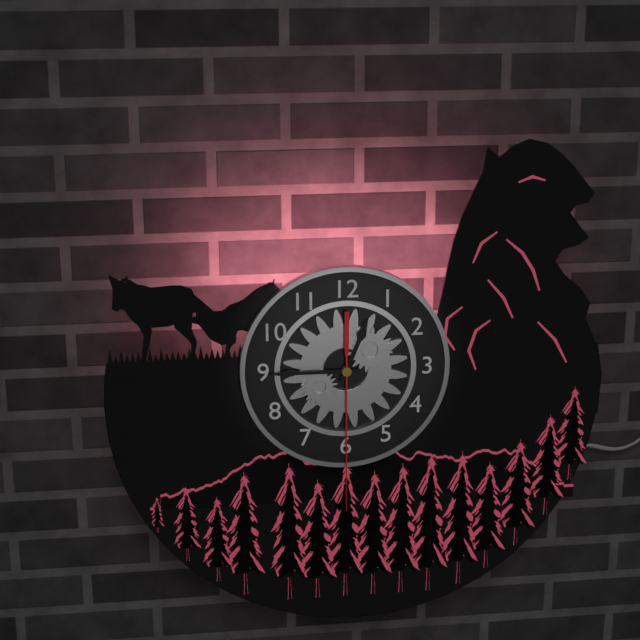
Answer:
12h45m30s
